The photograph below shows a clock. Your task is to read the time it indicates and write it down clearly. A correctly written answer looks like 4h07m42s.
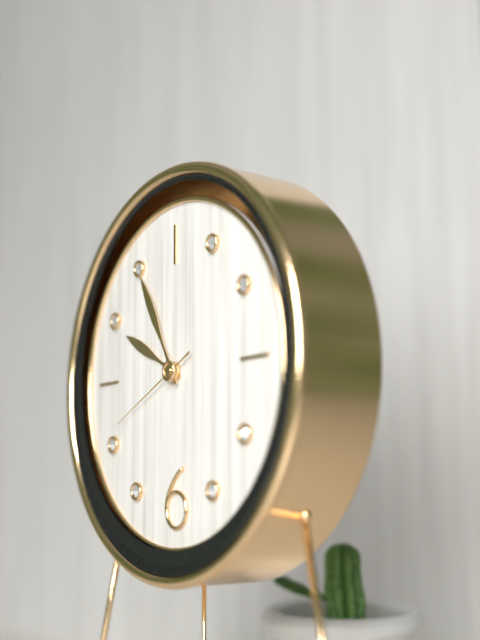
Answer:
9h55m41s
